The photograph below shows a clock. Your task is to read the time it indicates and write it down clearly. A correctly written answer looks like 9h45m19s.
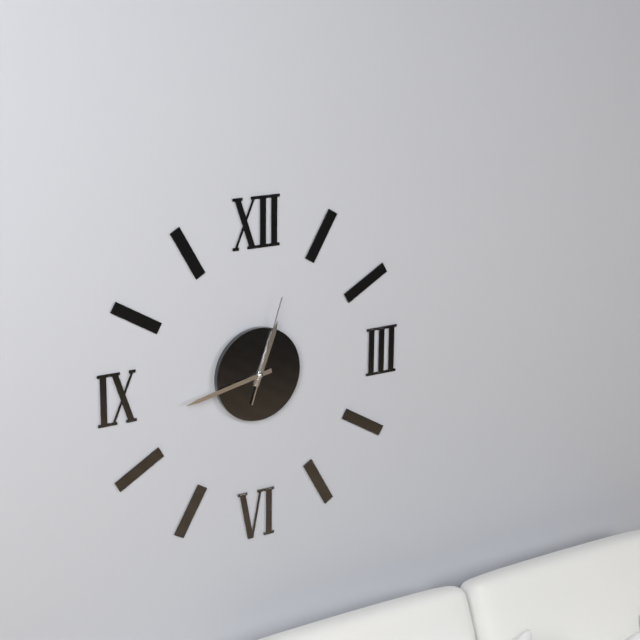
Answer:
12h43m03s
